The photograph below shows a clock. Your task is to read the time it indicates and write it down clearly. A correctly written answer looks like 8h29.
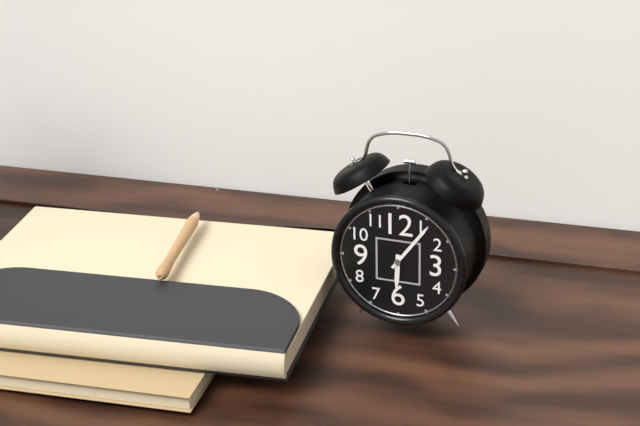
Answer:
6h06
